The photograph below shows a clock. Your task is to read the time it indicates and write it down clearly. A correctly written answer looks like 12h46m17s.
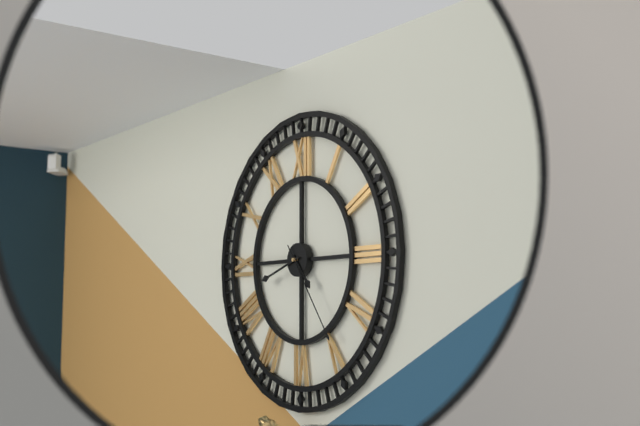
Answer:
4h42m24s
